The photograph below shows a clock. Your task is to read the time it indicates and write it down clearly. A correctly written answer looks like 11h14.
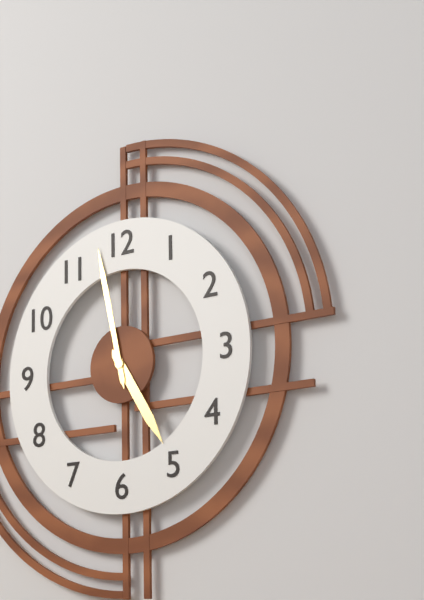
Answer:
4h58
